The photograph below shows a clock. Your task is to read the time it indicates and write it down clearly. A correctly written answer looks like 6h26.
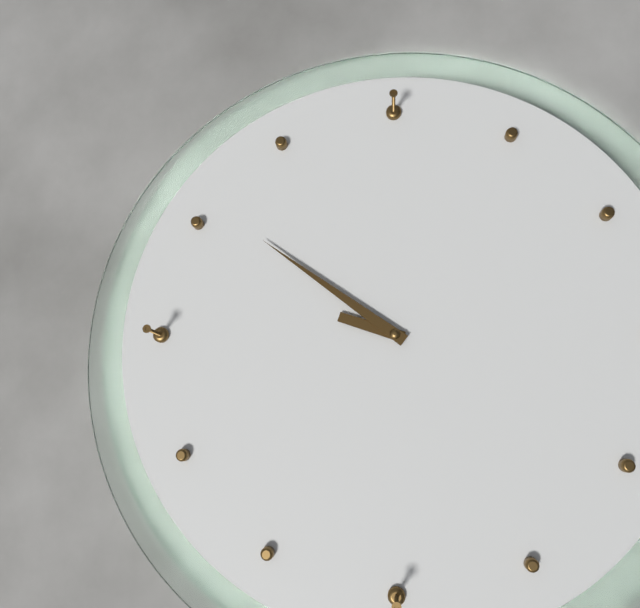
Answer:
6h36
